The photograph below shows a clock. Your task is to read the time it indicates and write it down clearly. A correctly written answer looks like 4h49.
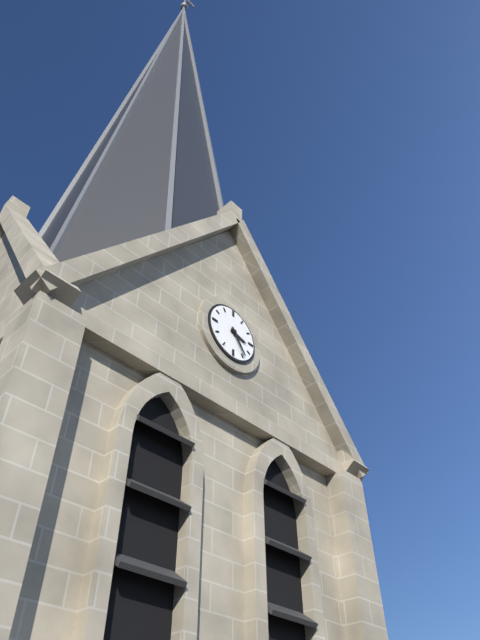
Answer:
3h24
